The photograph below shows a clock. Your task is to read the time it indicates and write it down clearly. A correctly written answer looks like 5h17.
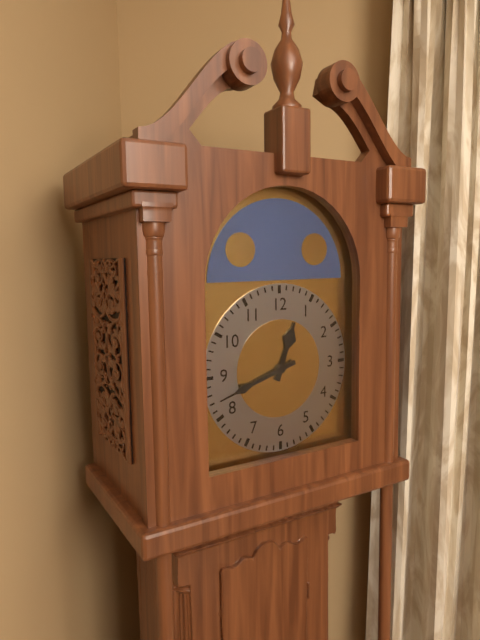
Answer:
12h42
